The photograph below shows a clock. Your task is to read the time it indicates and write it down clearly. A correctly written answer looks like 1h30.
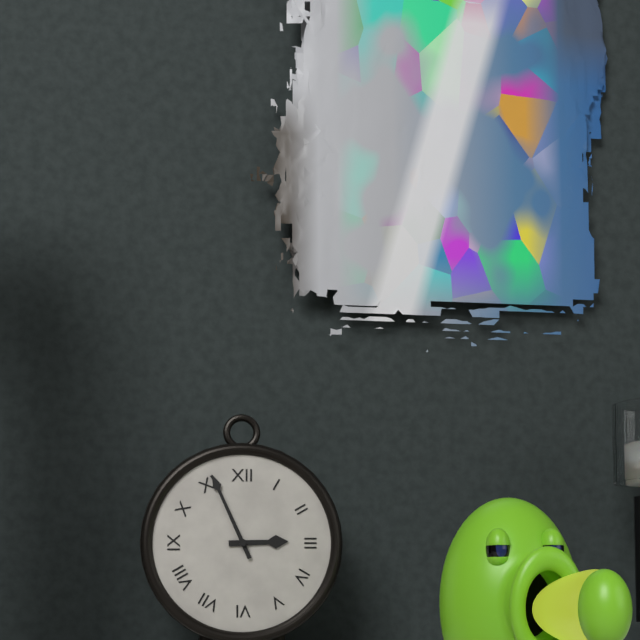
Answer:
2h56
